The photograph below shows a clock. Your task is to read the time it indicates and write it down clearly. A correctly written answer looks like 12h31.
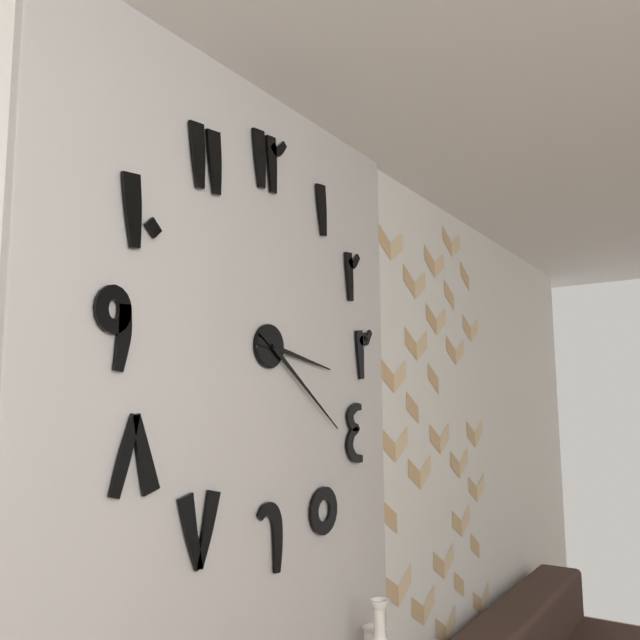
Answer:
3h21
